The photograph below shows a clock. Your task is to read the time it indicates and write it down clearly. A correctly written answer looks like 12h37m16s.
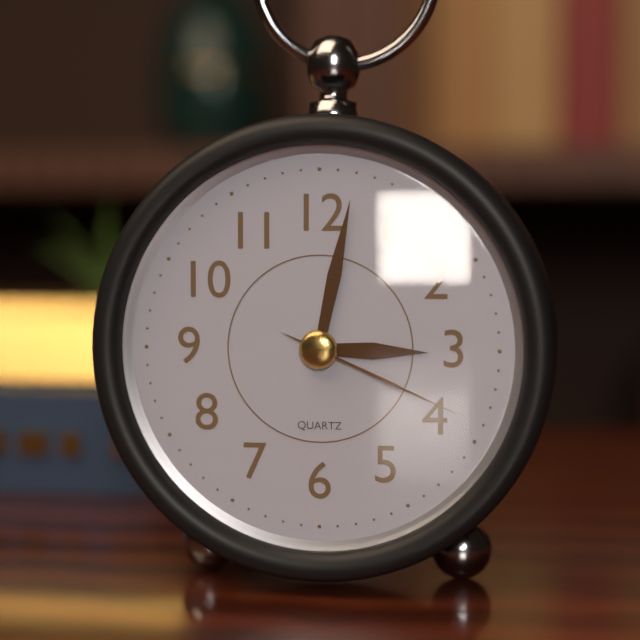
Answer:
3h02m19s
